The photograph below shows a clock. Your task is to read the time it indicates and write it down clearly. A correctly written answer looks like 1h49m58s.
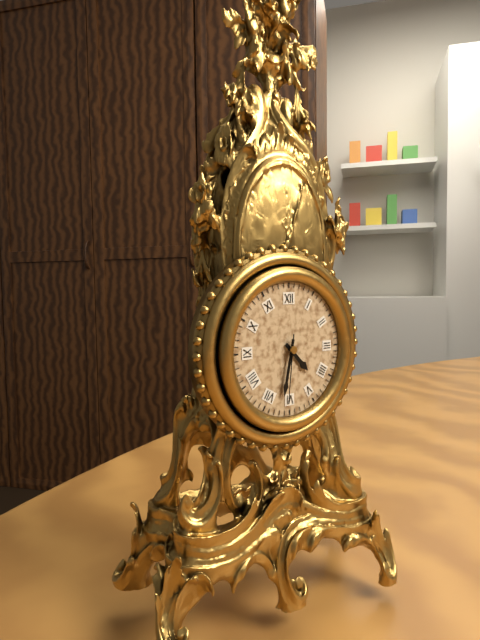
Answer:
4h32m31s
